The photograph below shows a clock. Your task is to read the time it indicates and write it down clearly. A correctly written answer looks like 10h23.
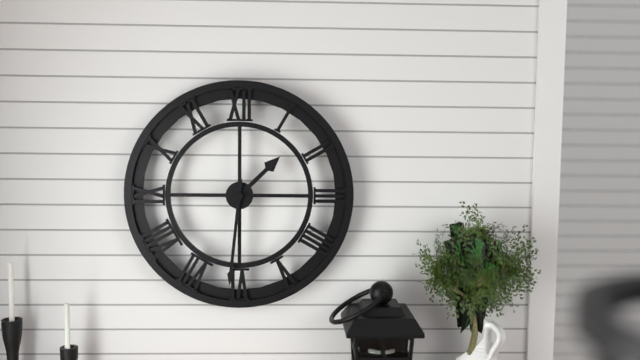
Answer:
1h31
